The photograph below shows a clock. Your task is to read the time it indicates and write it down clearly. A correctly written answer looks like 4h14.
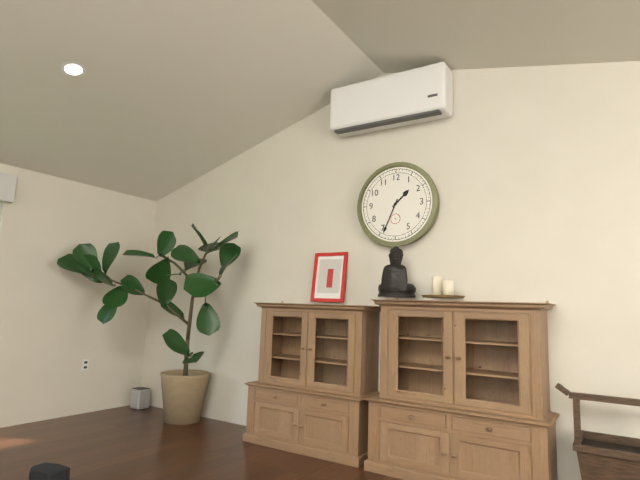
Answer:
1h34
